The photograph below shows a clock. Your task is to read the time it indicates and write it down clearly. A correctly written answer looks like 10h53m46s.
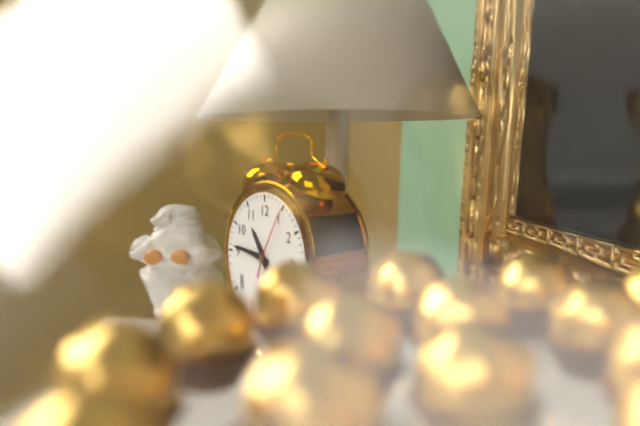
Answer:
10h46m05s
